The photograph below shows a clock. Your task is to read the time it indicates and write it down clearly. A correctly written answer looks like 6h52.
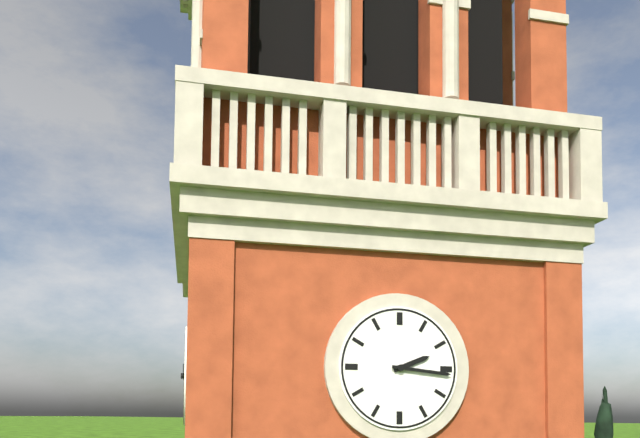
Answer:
2h16
